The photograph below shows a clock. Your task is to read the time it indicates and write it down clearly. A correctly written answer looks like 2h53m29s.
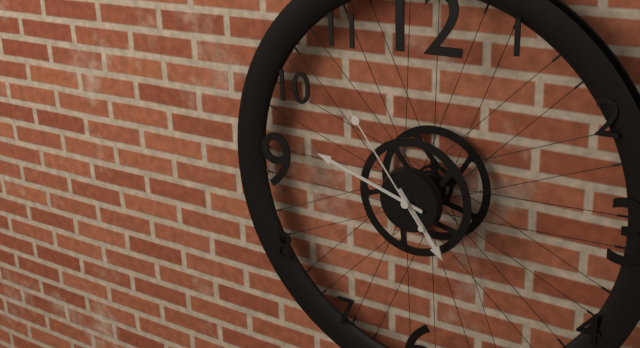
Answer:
4h48m54s
